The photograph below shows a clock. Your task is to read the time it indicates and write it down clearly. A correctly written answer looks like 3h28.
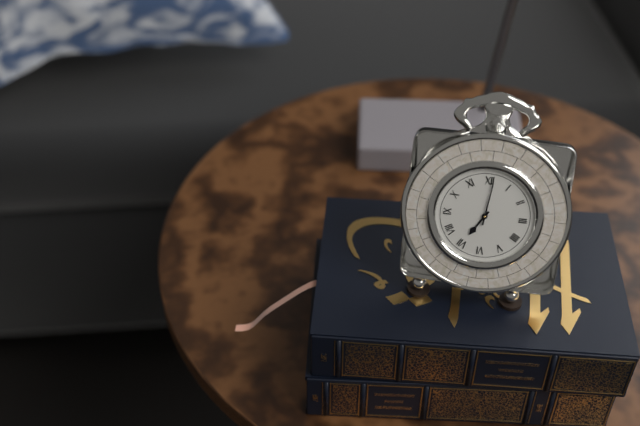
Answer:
7h01
